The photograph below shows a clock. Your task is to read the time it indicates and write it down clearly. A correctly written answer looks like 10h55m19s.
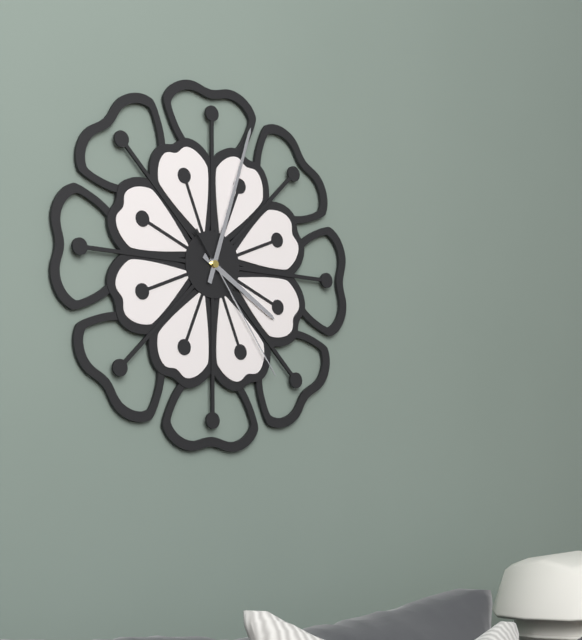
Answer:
4h03m24s
